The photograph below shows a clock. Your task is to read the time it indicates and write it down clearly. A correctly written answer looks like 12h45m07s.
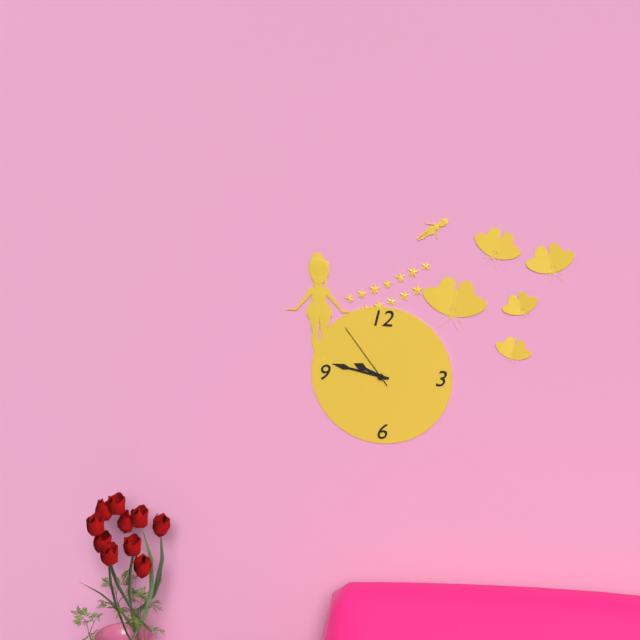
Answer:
9h47m54s
